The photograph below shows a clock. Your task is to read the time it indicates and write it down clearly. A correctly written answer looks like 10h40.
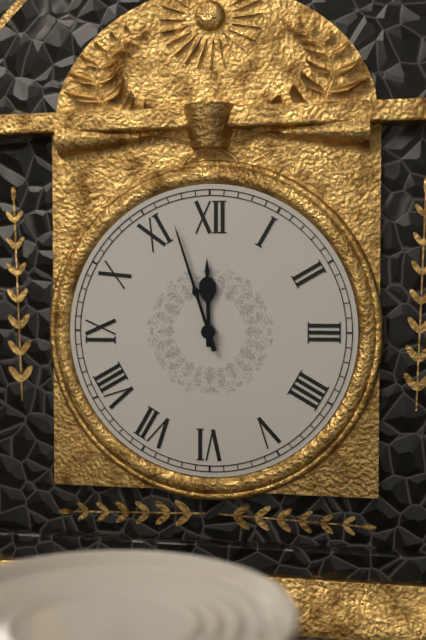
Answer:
11h57
